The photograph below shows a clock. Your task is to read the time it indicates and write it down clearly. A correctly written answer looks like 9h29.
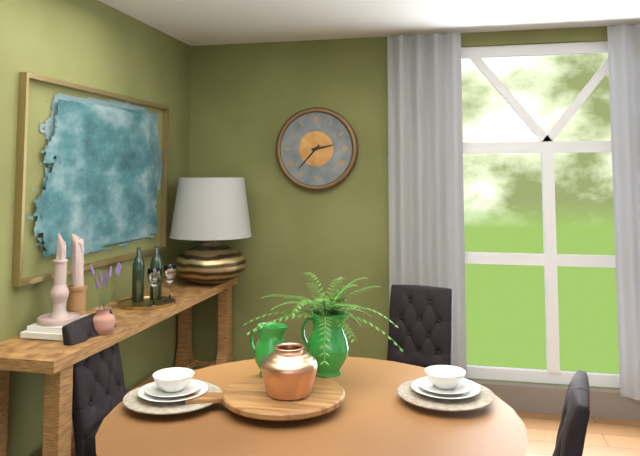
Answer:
2h37
